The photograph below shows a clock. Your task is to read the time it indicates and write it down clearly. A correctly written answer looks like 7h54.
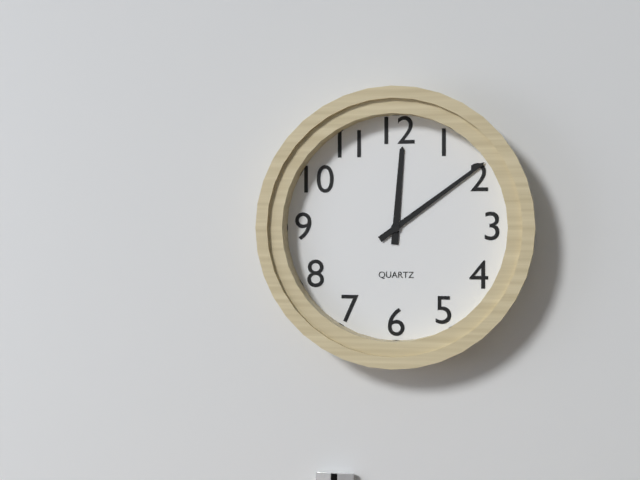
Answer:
12h09
